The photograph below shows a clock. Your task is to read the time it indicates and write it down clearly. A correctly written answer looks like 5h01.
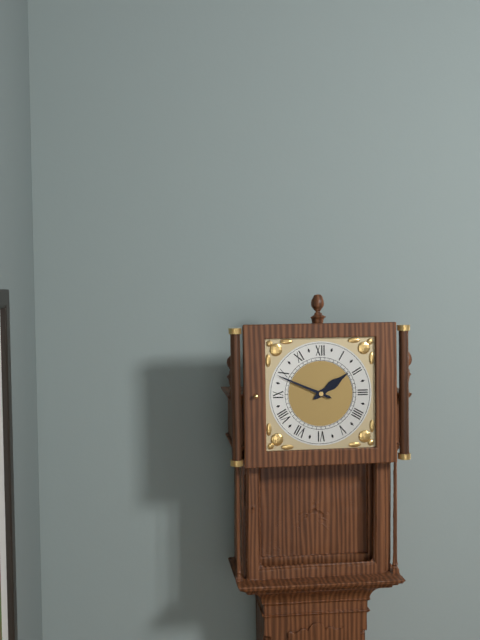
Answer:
1h49
